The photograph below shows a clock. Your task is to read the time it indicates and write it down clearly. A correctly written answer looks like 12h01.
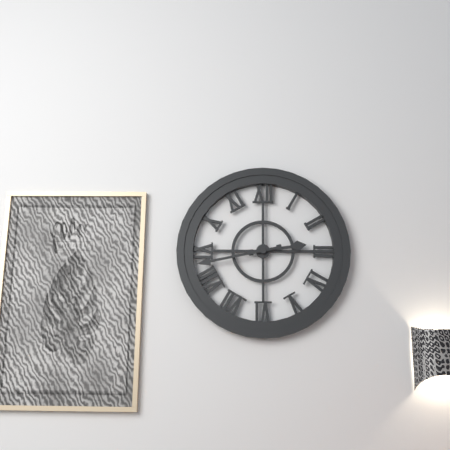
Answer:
2h43
